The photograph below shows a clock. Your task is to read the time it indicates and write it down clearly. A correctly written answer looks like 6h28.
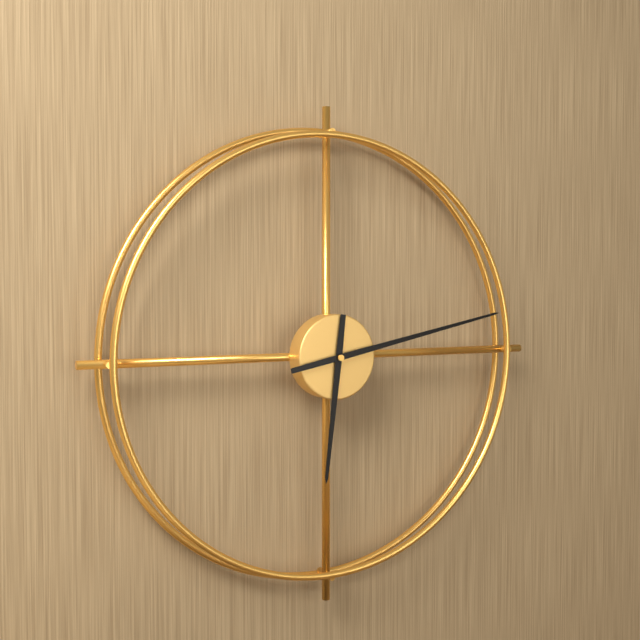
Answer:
6h13
